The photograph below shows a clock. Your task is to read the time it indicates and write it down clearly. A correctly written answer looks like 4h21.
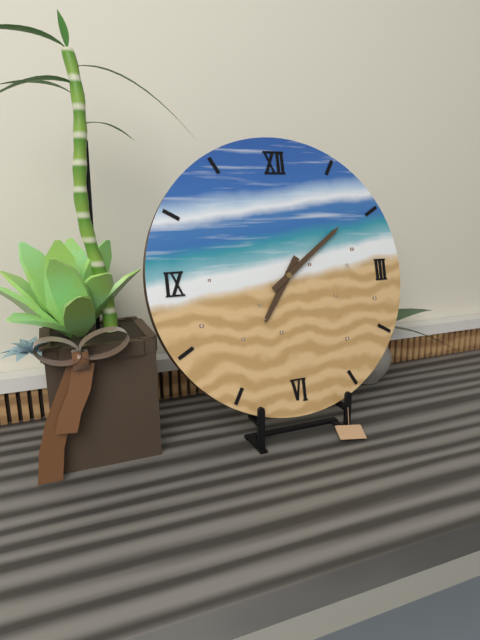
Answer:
7h09
